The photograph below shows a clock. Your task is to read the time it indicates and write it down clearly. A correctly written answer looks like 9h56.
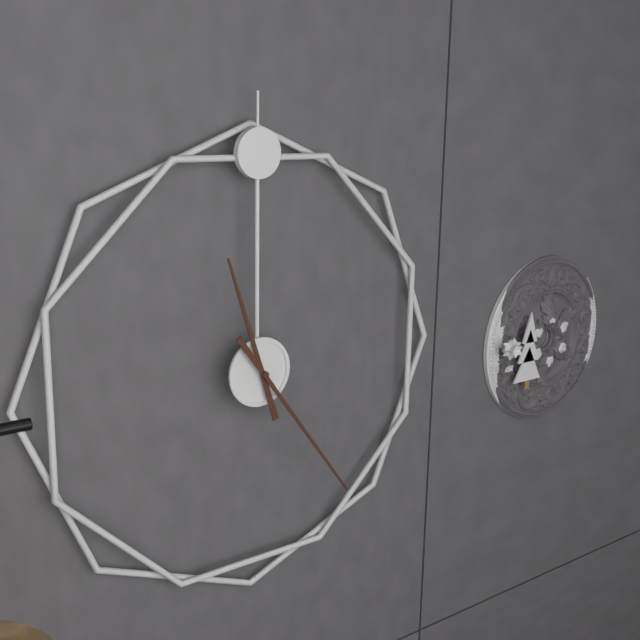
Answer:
11h24
